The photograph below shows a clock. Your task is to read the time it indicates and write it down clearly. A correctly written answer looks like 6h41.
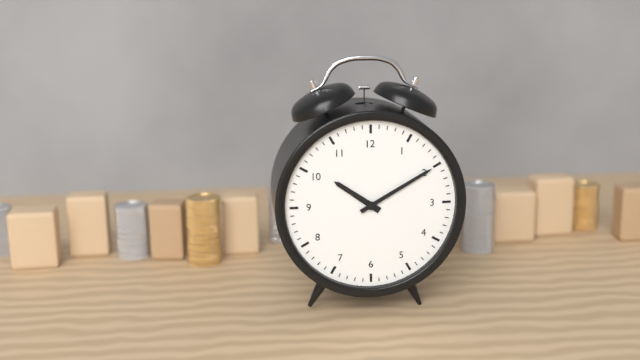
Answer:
10h10
